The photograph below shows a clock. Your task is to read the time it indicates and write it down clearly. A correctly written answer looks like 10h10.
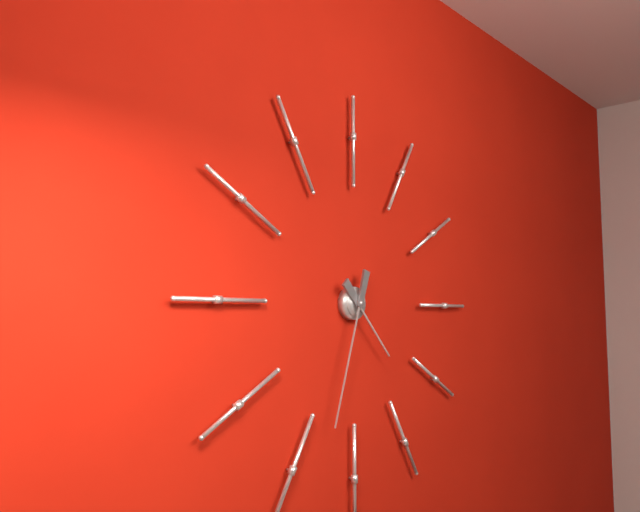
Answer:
4h33
